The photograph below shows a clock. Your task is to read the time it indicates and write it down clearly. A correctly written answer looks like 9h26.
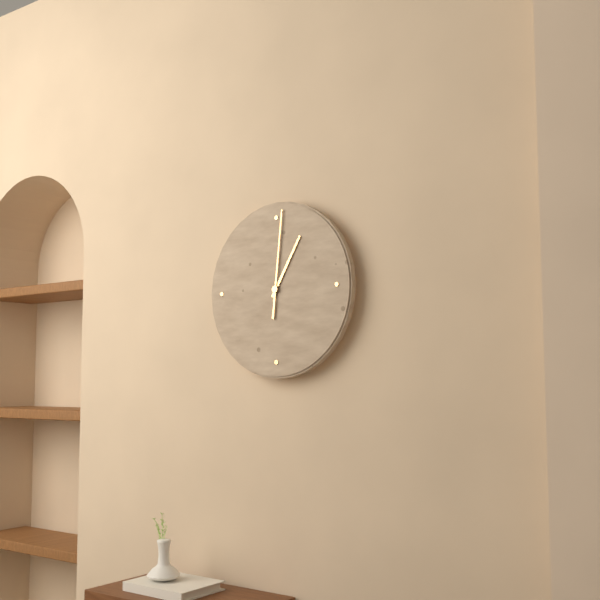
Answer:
1h01
